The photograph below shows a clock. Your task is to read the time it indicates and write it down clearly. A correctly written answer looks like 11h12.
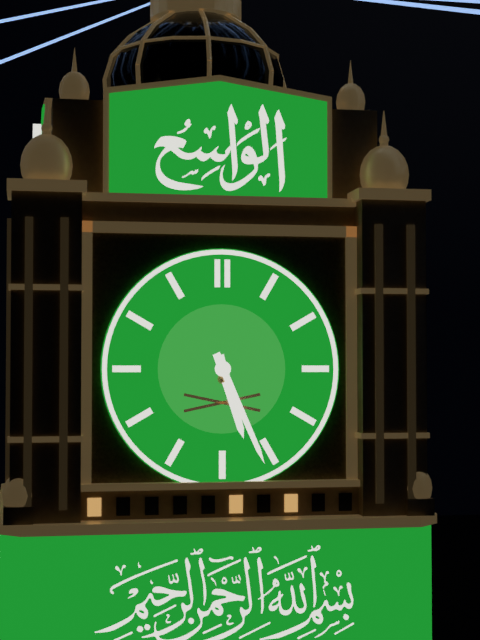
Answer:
5h26
